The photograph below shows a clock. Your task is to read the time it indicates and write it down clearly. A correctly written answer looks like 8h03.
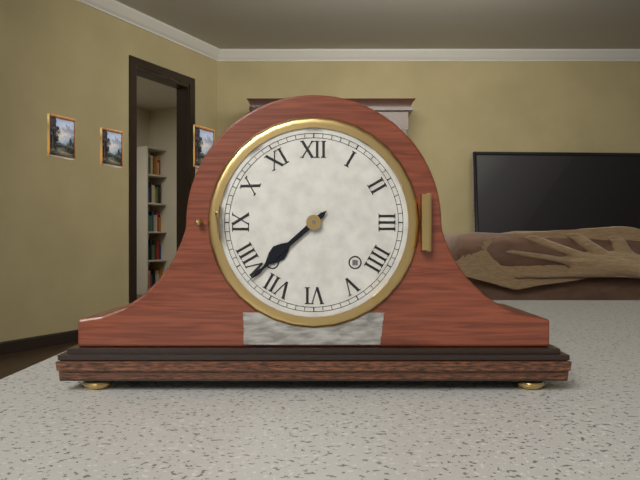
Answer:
7h38
